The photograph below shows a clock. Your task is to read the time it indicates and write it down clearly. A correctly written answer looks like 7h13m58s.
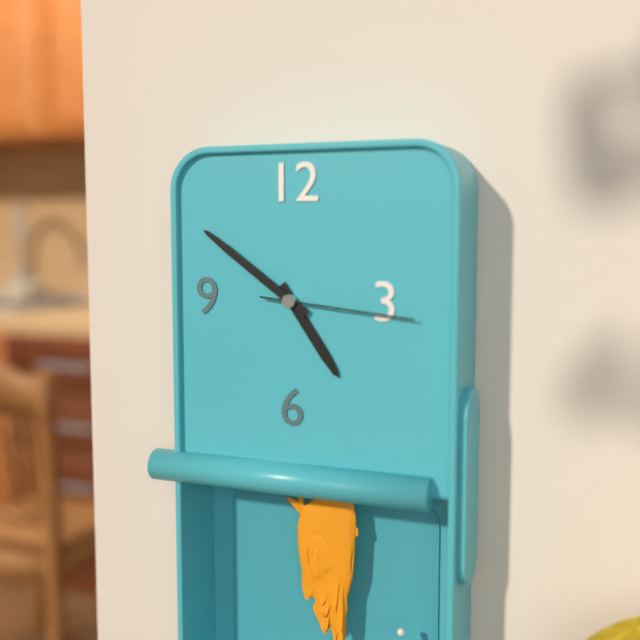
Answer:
4h51m16s
